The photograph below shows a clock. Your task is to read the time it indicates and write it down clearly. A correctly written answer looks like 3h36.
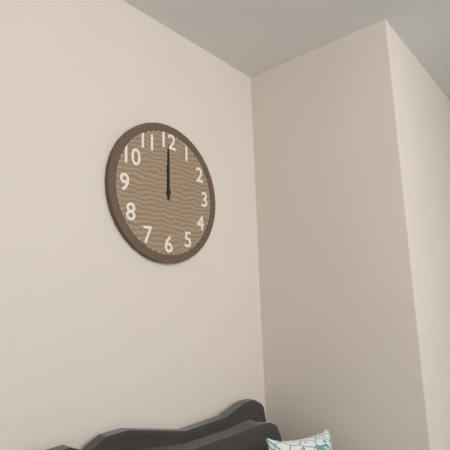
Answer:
12h00
